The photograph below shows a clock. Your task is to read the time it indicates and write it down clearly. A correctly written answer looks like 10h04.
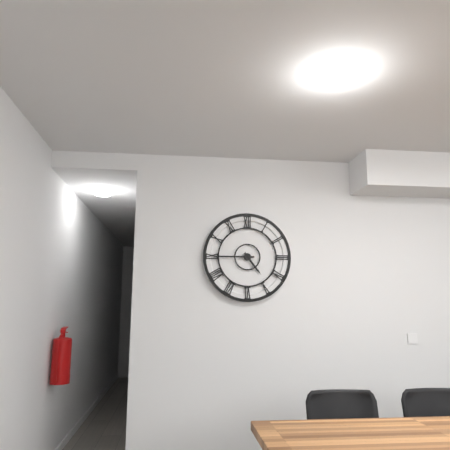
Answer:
4h45
